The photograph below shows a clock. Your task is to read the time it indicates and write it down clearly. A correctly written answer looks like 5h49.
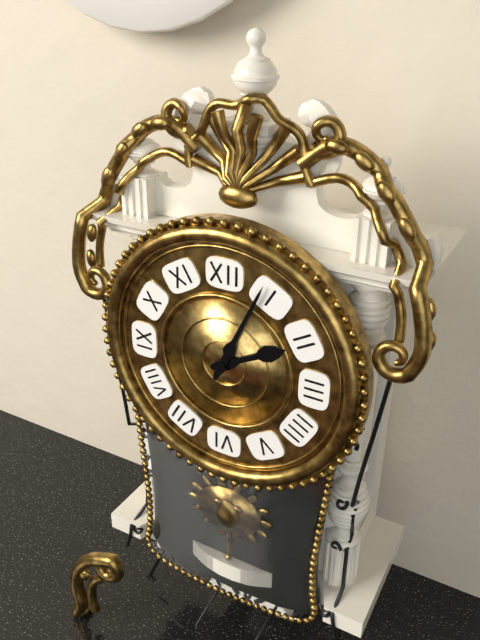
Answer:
2h04
